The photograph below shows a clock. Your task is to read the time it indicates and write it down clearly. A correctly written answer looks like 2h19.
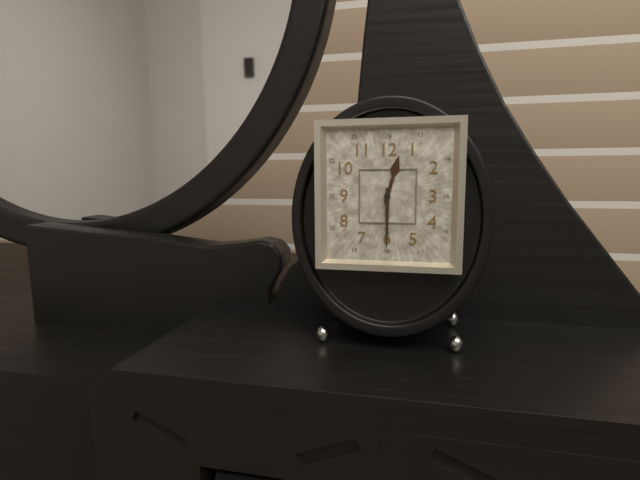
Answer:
12h30
